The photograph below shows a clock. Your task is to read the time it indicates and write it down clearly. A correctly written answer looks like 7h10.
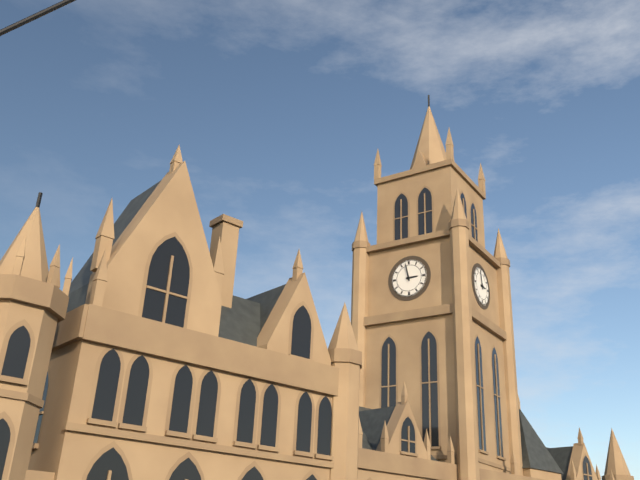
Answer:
2h58
